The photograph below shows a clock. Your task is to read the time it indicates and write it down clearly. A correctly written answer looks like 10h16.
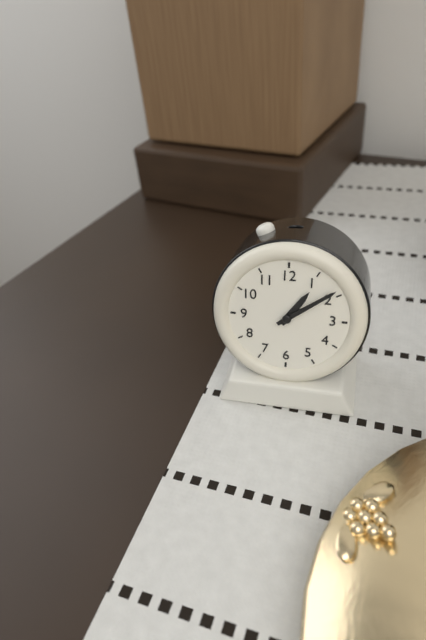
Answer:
1h09
